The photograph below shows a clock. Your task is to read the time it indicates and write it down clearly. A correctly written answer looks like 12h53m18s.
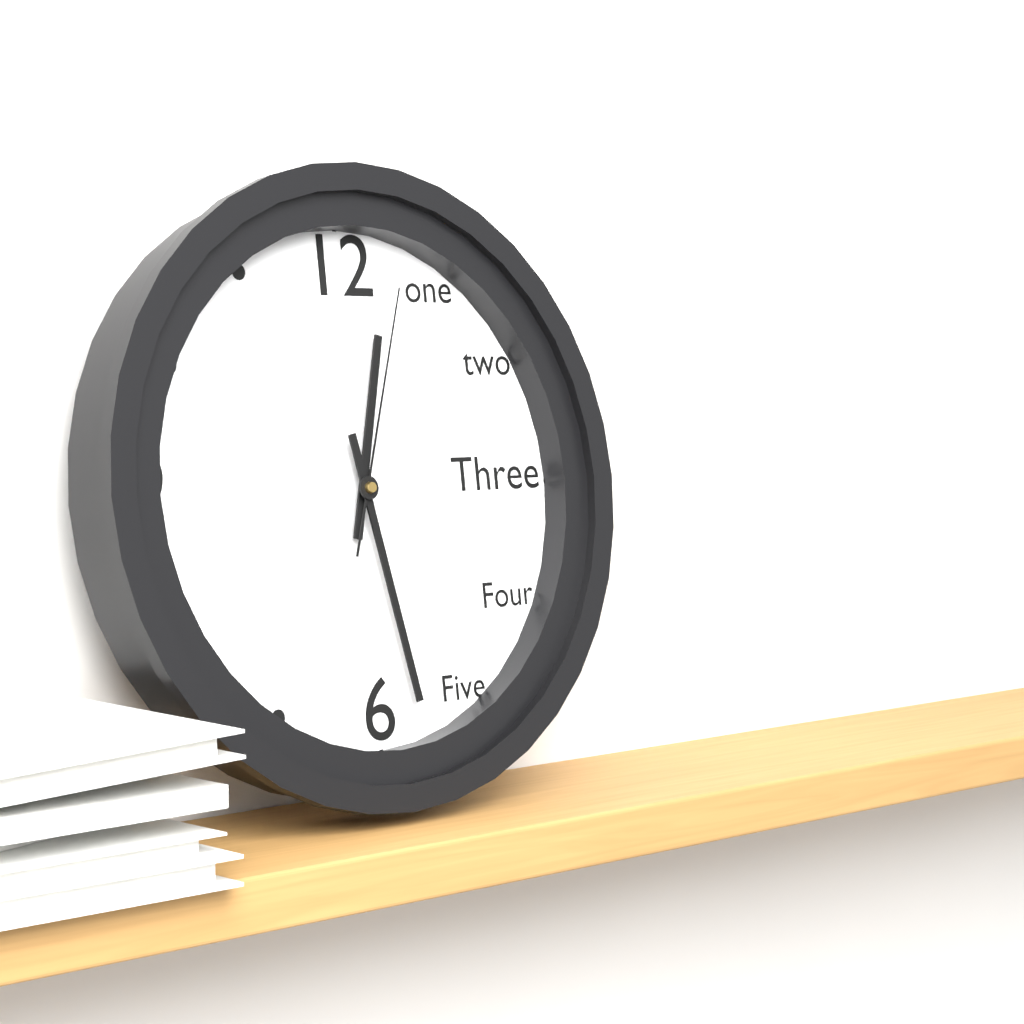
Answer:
12h28m03s
